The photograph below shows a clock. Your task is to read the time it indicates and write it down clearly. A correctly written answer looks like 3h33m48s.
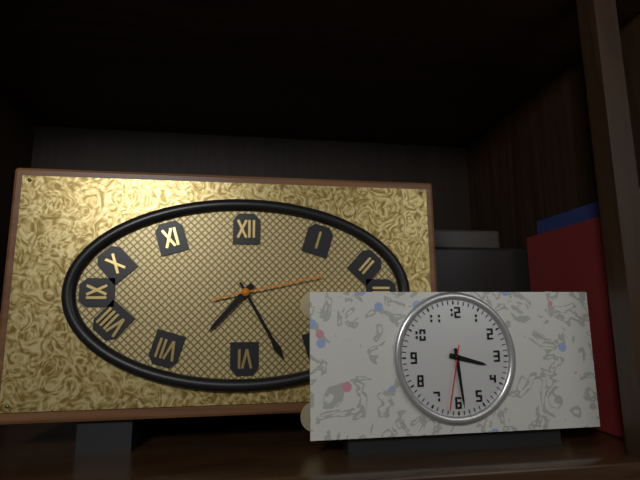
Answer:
7h25m13s
